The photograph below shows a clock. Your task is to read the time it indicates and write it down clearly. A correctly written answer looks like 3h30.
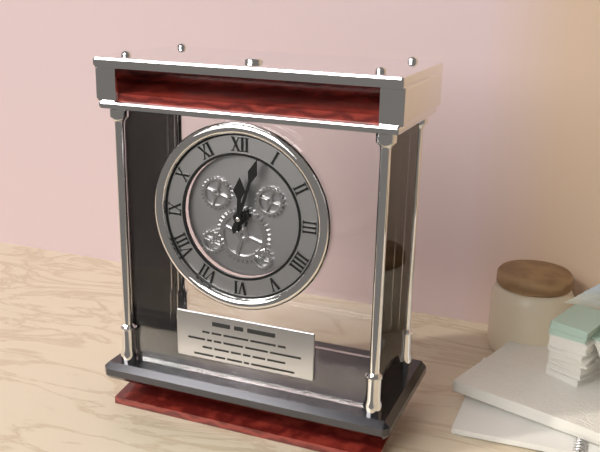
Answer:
12h03
